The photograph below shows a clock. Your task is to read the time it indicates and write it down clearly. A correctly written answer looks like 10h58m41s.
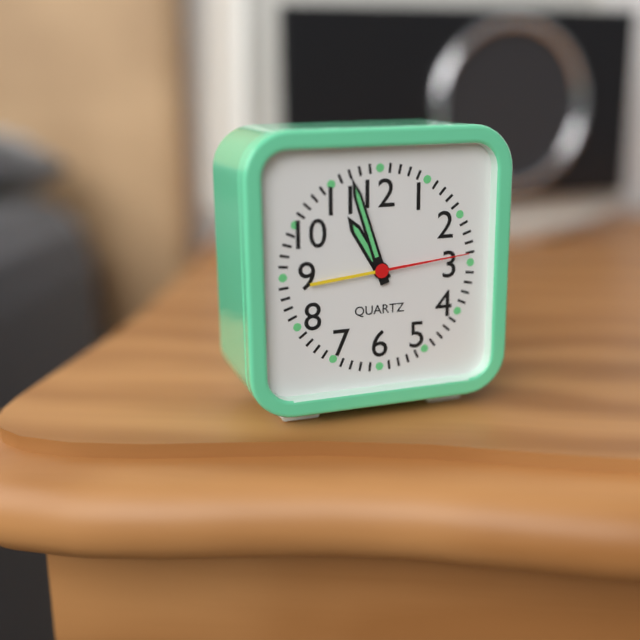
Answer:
10h57m14s
